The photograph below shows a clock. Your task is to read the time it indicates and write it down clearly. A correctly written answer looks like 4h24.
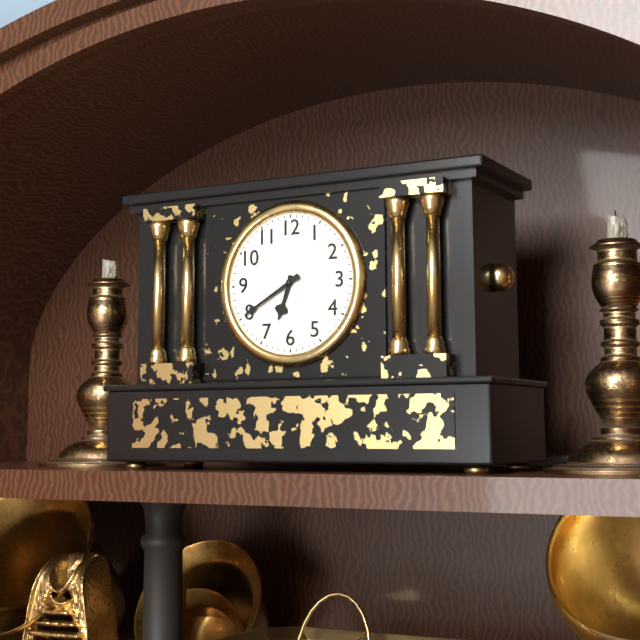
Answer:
6h40
